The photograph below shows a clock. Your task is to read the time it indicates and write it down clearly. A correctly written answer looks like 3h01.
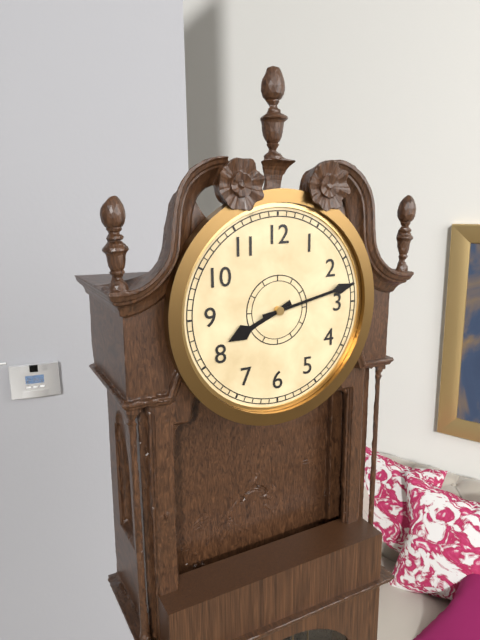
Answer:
8h13
